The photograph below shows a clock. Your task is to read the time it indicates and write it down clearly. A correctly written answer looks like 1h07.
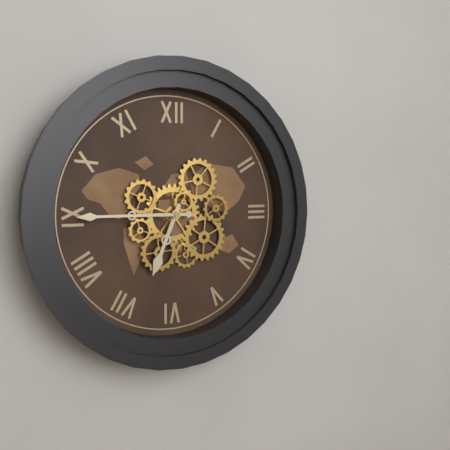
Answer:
6h45
